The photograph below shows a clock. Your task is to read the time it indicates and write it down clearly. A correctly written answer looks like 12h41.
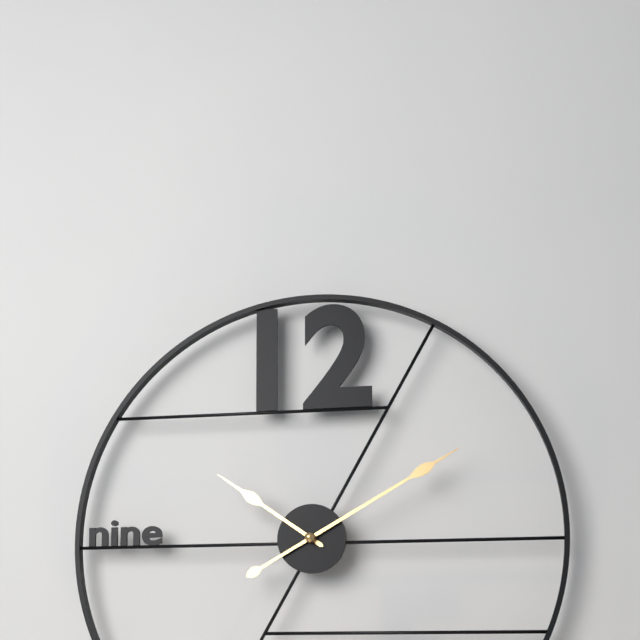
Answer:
10h10
